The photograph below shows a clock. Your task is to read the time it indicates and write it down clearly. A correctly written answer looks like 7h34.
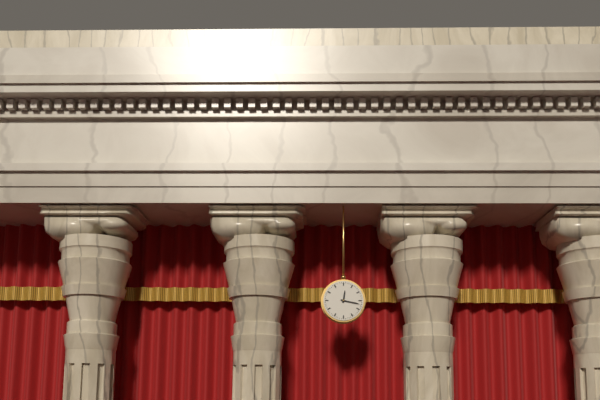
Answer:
12h17
